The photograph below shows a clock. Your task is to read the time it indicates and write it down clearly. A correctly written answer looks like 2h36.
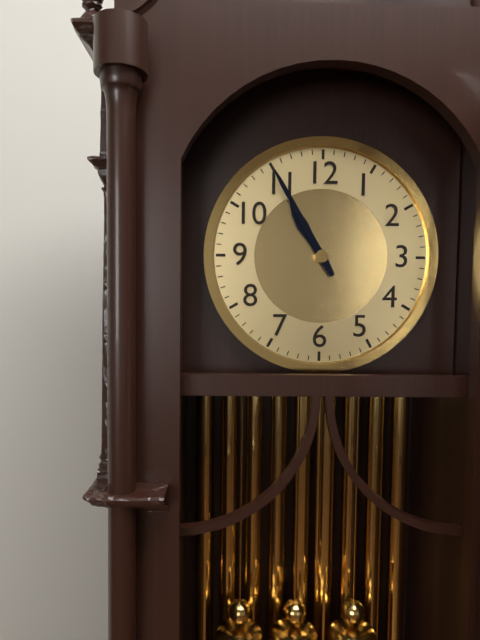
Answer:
10h55
